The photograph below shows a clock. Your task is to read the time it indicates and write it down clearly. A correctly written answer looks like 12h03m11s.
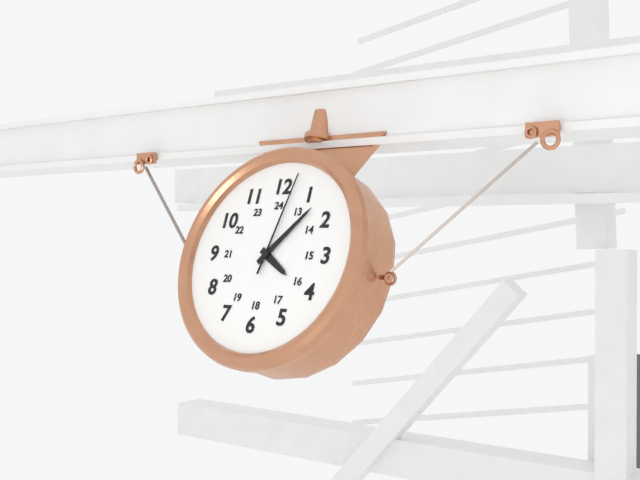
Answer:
4h07m02s
